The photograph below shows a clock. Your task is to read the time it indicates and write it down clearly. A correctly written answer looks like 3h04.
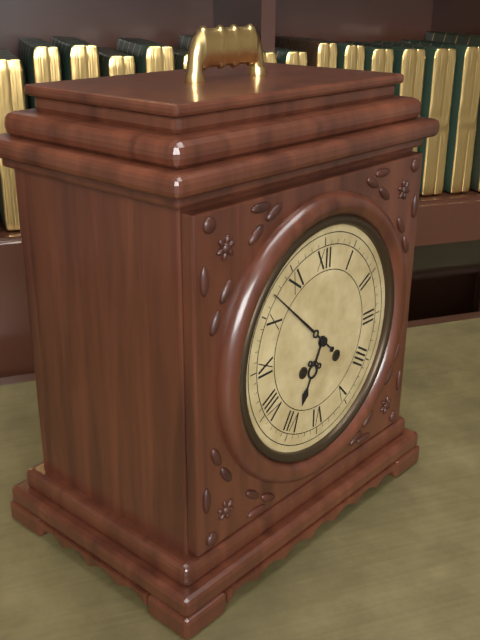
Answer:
6h52
